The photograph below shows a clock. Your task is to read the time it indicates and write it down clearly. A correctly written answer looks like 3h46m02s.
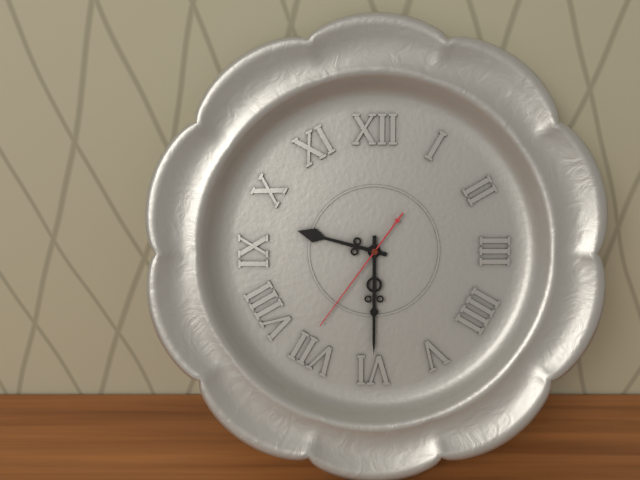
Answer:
9h30m36s
